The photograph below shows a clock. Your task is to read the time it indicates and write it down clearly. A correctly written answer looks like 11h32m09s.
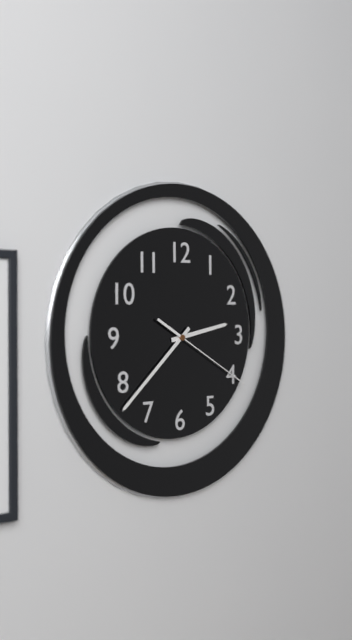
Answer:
2h38m20s
